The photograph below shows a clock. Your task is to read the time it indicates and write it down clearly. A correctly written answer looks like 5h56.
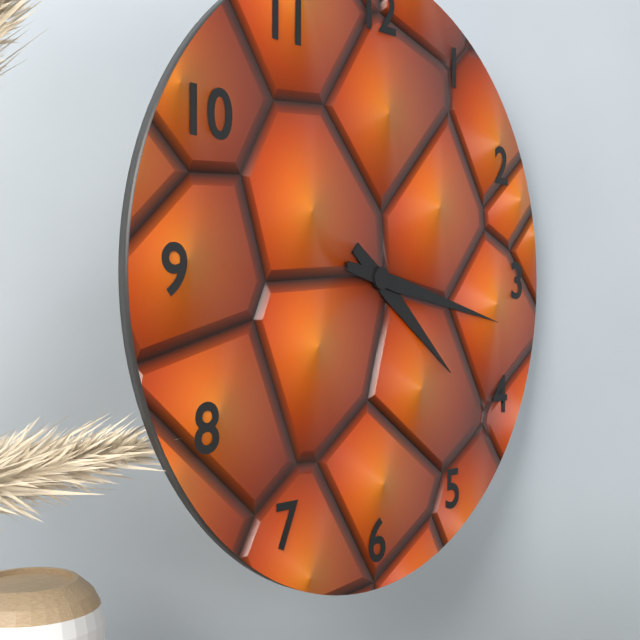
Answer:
4h17
